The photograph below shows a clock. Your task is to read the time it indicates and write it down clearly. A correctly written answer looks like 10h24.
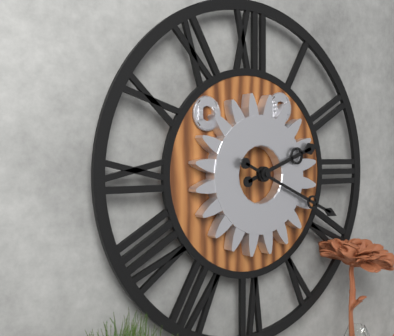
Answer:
2h19
